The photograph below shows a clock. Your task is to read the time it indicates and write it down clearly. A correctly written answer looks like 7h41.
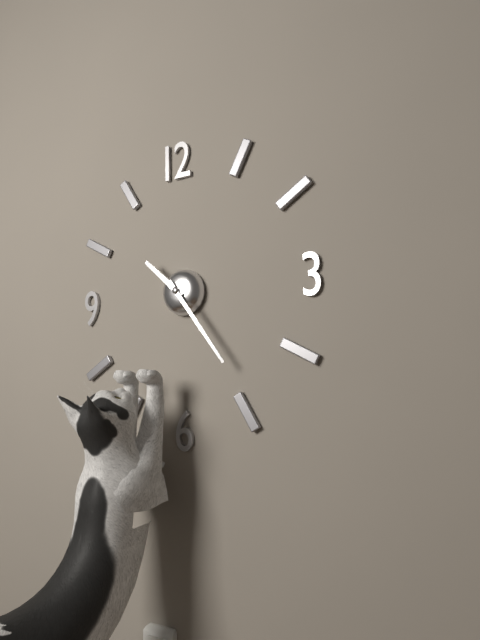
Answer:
10h24
